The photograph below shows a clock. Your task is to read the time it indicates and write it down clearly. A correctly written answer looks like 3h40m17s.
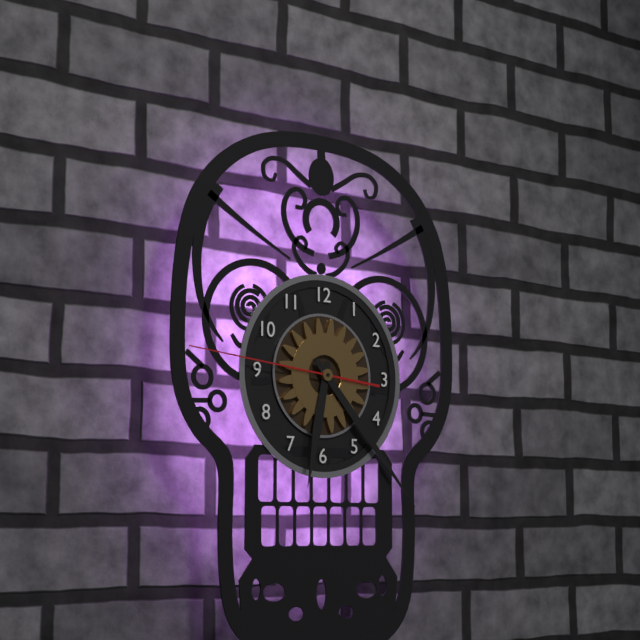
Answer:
6h23m46s
